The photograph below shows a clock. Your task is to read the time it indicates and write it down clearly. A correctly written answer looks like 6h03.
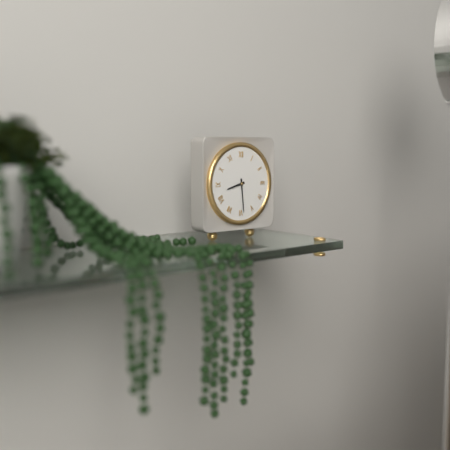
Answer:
8h29
